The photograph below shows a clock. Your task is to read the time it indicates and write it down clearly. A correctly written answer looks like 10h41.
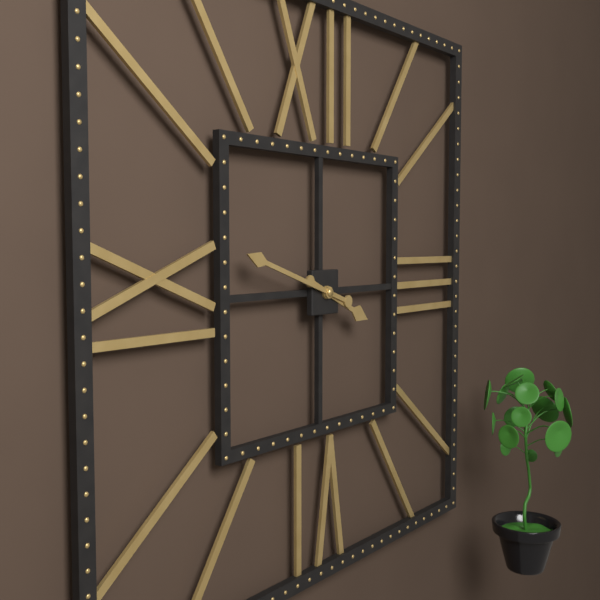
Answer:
3h48
